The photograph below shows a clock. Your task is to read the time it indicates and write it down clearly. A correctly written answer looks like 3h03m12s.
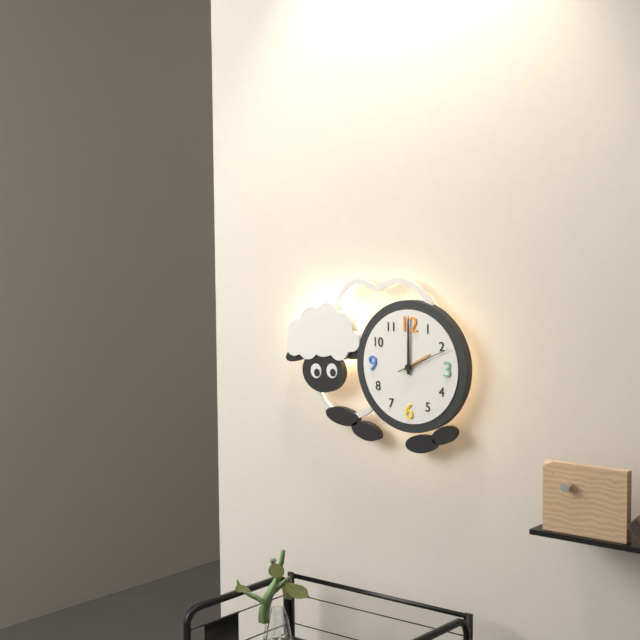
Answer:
2h00m11s
